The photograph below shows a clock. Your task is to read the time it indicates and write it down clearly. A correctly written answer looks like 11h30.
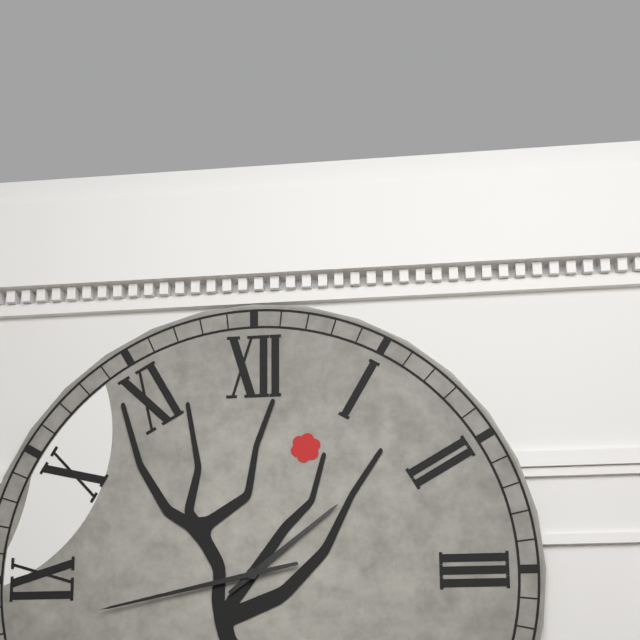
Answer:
1h43
